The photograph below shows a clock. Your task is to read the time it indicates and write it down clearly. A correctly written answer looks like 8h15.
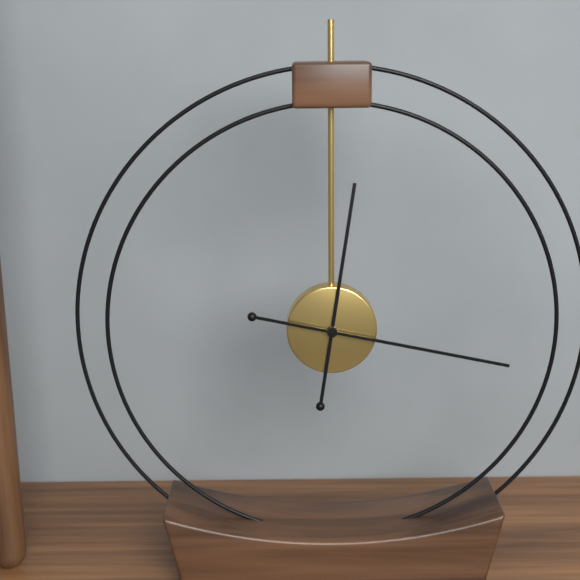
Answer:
12h17
